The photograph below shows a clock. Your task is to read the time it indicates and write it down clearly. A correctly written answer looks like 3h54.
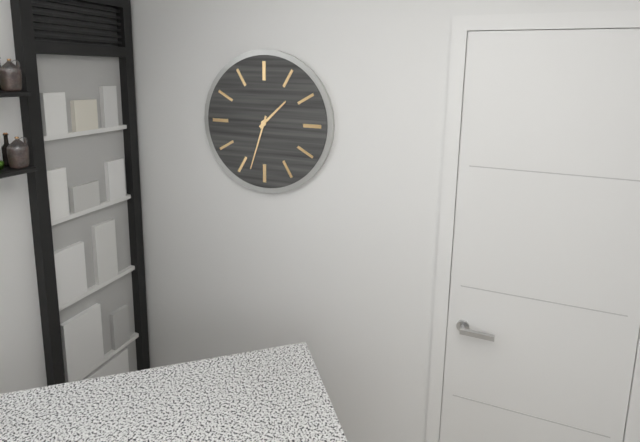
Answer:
1h33
